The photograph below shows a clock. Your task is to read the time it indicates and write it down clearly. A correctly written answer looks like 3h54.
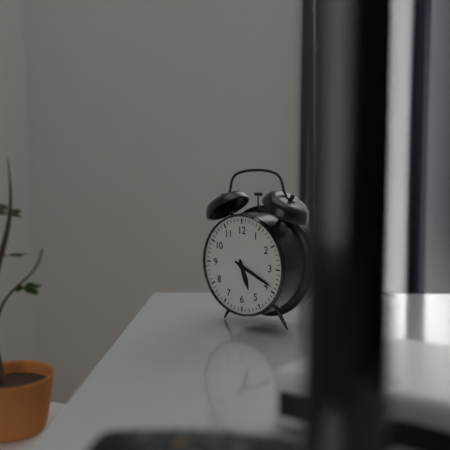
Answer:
5h19
